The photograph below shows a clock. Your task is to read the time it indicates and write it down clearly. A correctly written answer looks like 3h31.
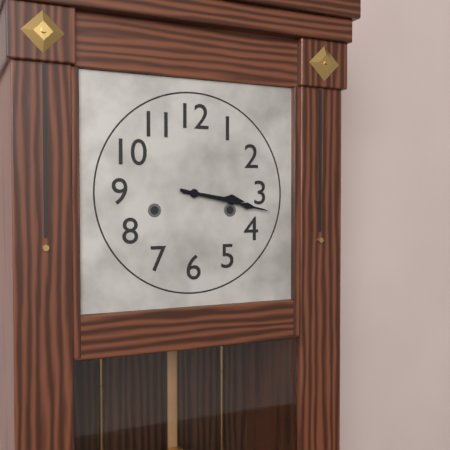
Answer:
3h17
